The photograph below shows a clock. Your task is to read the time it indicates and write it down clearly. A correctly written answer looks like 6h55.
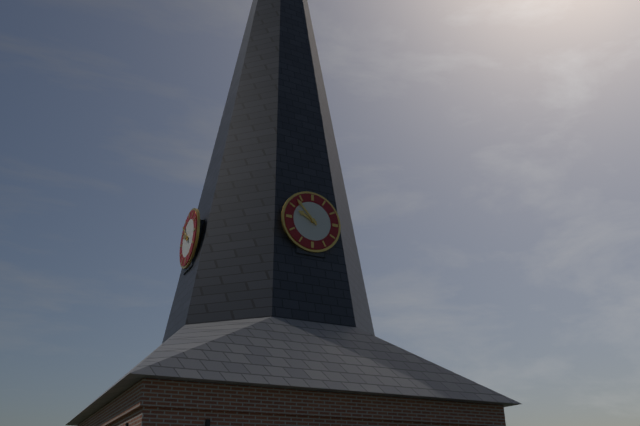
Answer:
9h53
